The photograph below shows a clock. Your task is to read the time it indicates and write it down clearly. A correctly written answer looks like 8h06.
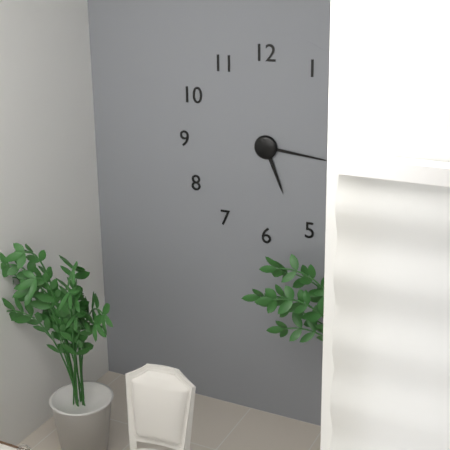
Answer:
5h16
